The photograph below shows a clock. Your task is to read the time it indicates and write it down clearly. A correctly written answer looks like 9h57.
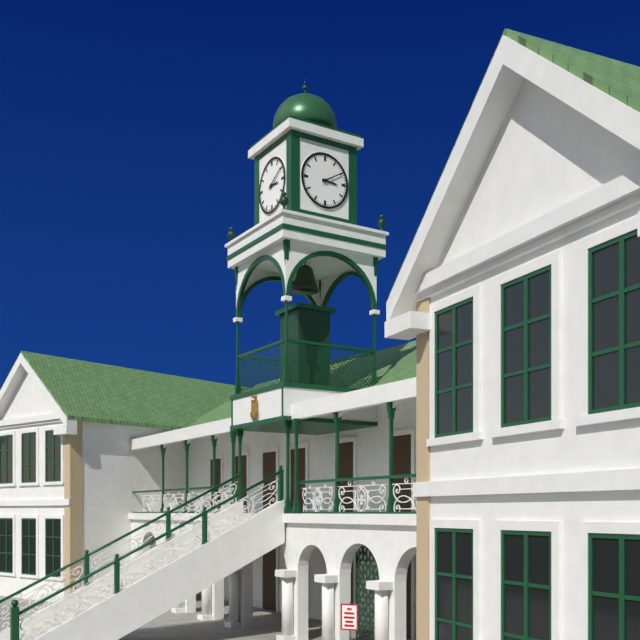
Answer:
3h10
